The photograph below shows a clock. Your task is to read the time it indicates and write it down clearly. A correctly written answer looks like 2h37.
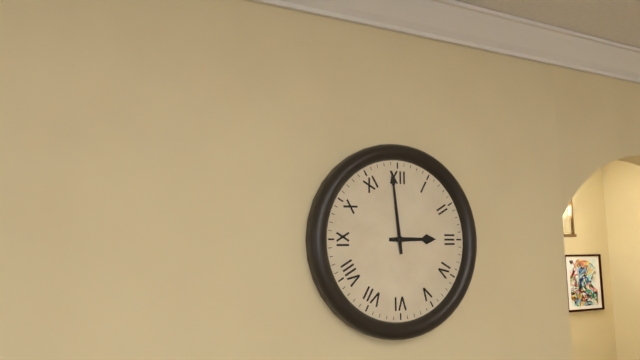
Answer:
2h59
